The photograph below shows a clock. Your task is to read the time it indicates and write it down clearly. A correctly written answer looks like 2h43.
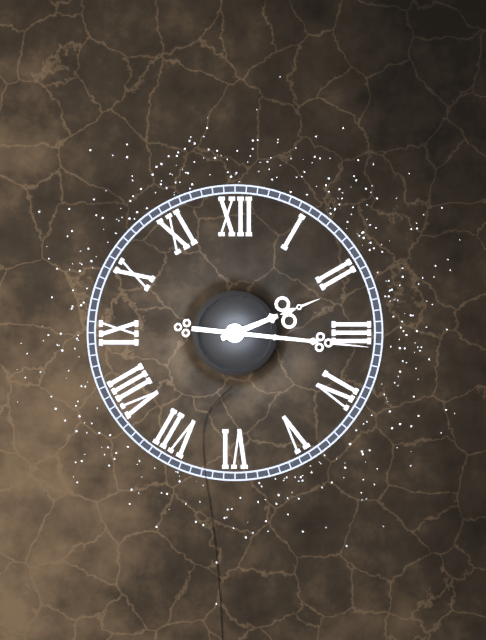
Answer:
2h16
